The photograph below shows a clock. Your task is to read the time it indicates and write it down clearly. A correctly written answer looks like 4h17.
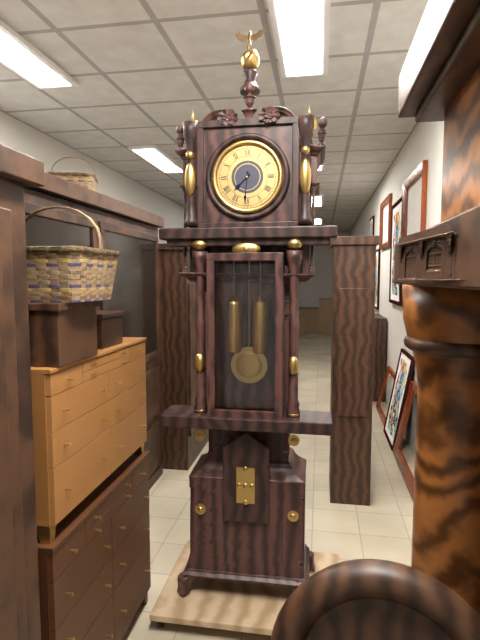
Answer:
7h31
